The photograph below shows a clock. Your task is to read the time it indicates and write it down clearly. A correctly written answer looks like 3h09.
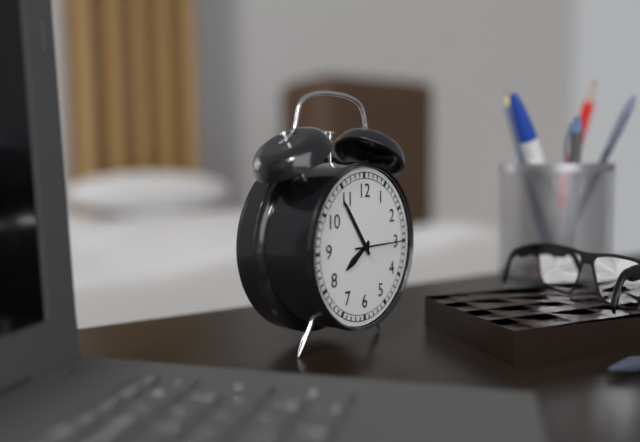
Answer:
7h54
